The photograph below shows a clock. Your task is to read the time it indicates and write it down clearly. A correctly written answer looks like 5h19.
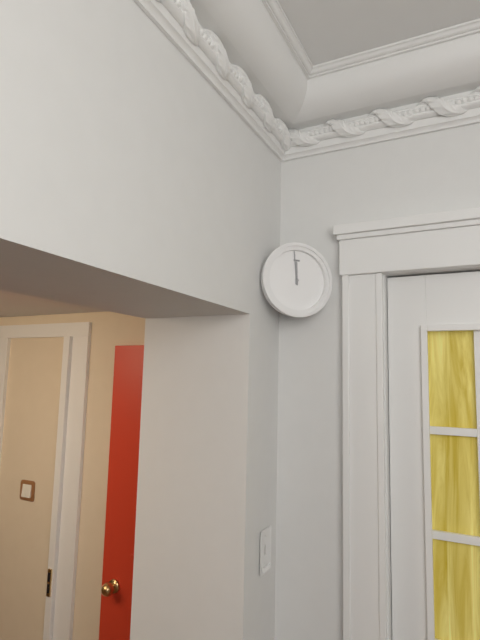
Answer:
11h59
